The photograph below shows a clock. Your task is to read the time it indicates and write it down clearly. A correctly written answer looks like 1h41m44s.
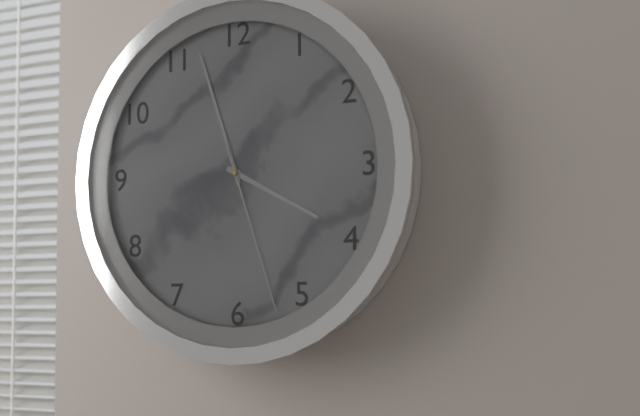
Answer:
3h57m27s
